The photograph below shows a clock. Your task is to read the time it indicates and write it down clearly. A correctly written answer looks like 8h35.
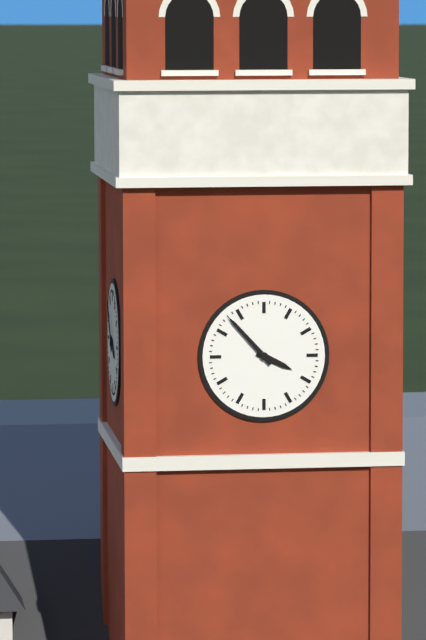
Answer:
3h53
